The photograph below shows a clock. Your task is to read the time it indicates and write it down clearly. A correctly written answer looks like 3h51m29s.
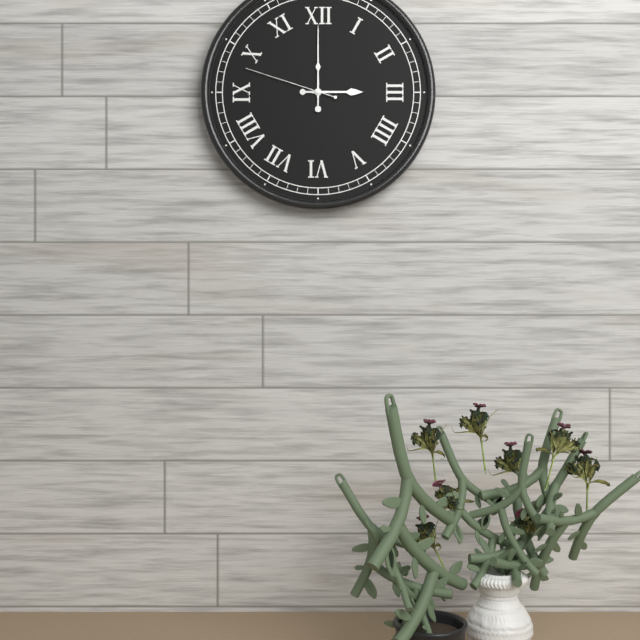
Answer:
3h00m48s
